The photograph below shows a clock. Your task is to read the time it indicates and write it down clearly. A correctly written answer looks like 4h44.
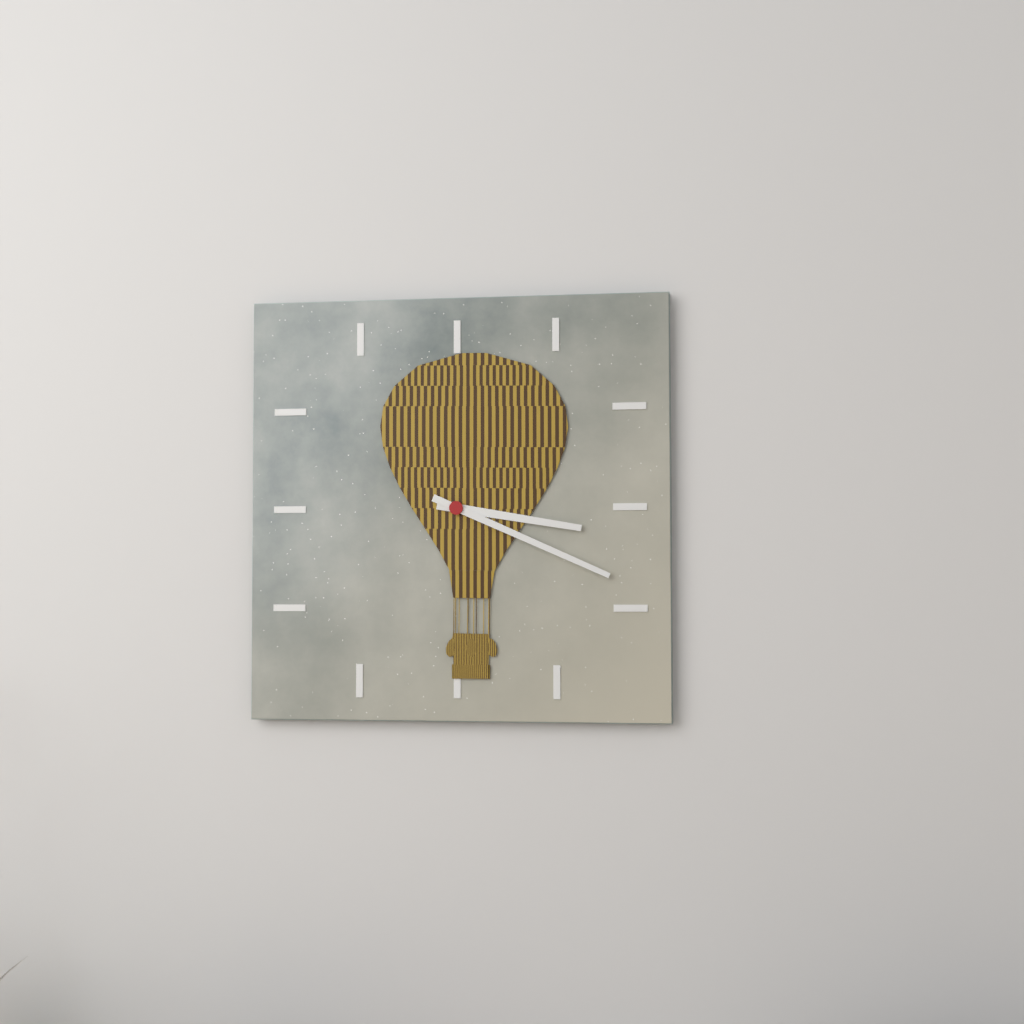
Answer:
3h19
